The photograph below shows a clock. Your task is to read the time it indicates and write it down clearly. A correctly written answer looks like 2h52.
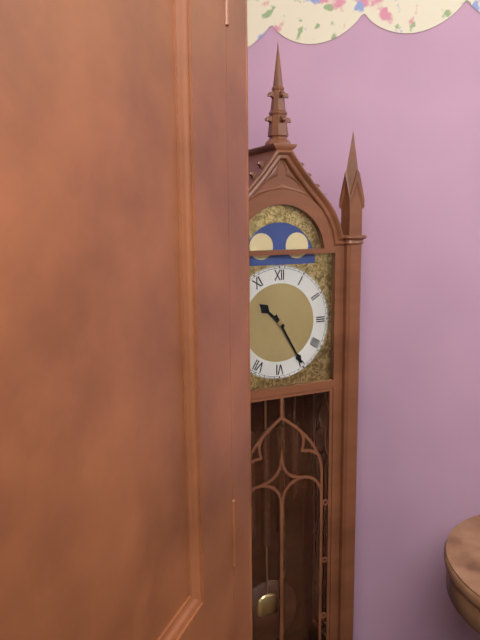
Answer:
10h25
